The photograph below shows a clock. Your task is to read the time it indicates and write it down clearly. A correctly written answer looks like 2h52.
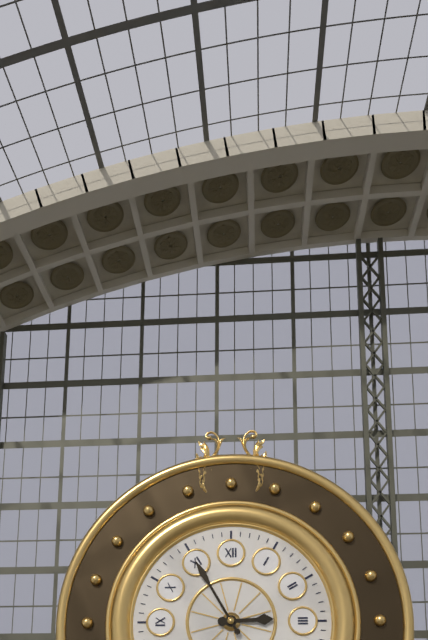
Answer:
2h55
